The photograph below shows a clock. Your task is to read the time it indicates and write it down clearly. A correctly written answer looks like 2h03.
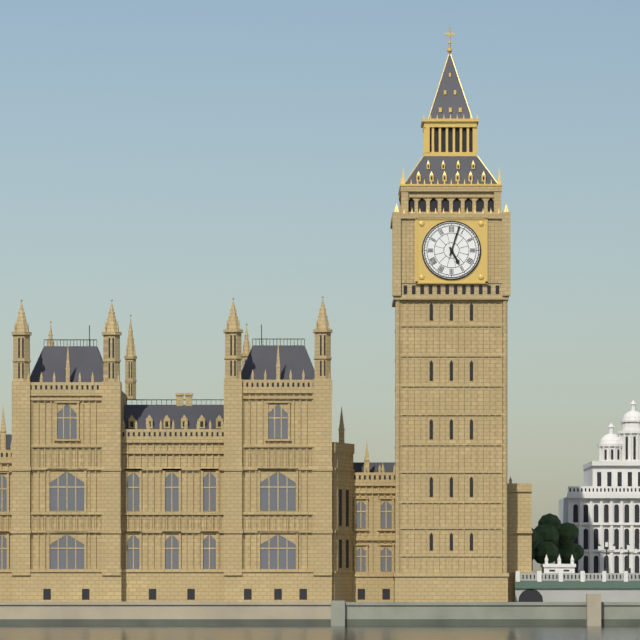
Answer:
5h03
